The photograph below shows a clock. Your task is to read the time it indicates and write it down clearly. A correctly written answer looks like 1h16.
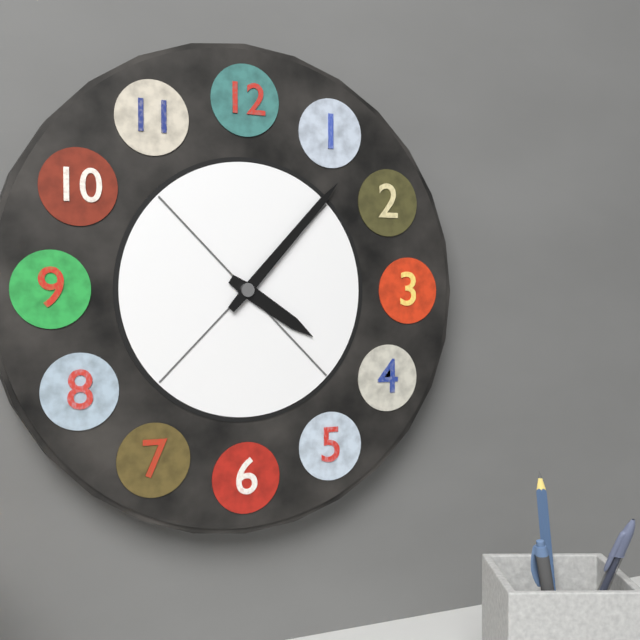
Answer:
4h07
